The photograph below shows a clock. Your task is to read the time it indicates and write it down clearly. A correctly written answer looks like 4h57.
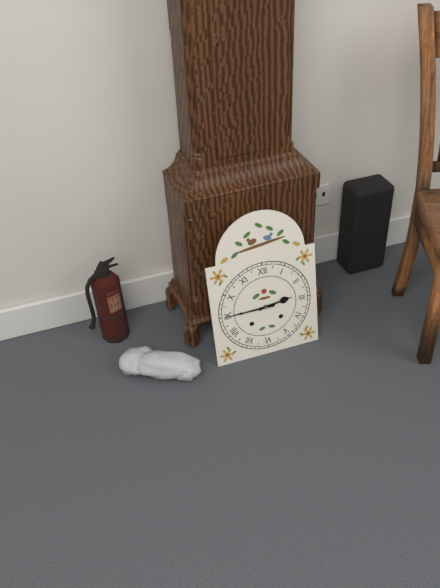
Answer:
2h45
